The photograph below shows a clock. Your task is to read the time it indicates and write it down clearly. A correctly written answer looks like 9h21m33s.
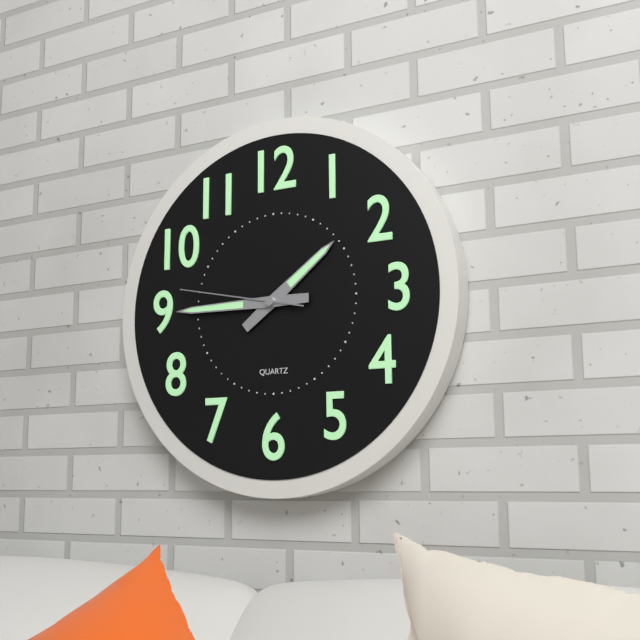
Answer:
1h45m47s
